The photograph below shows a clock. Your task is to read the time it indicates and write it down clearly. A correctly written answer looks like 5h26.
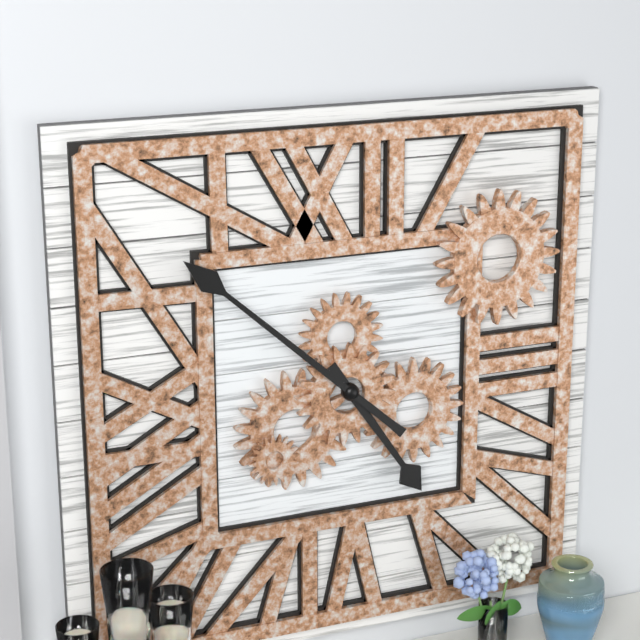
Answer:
4h52
